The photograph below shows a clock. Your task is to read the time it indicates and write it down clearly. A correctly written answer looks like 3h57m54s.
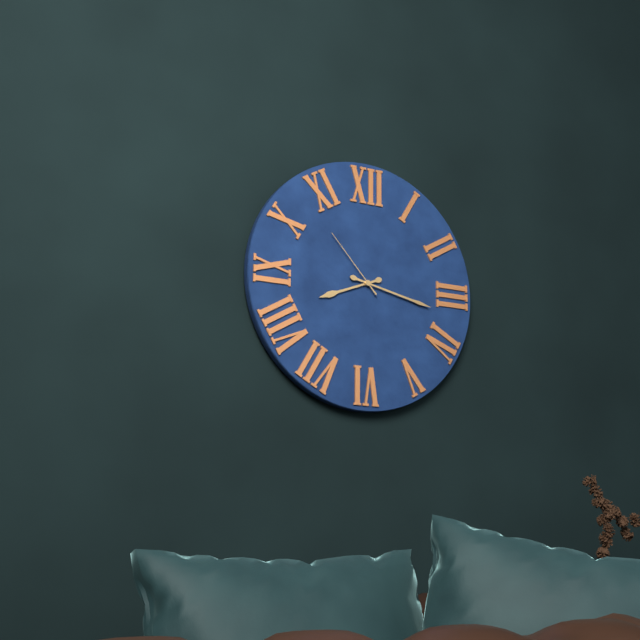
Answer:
8h17m53s
